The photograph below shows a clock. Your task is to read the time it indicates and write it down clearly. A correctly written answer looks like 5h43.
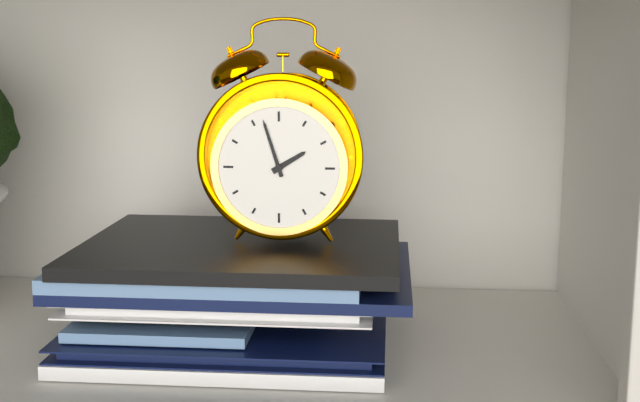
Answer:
1h57
